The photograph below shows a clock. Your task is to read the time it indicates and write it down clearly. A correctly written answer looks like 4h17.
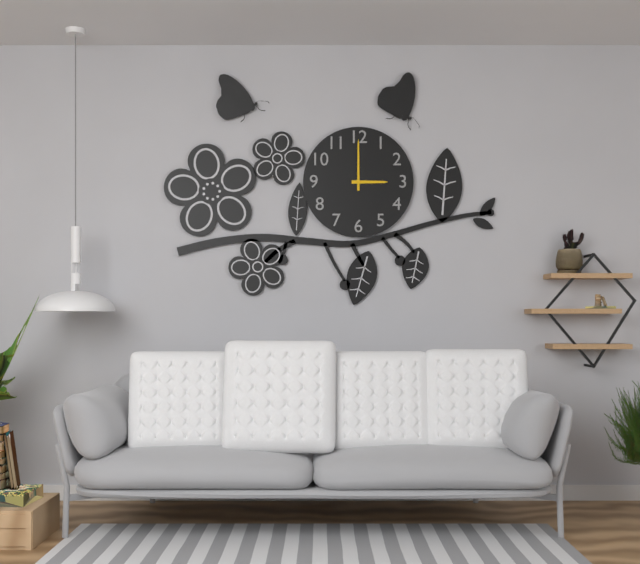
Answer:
3h00
